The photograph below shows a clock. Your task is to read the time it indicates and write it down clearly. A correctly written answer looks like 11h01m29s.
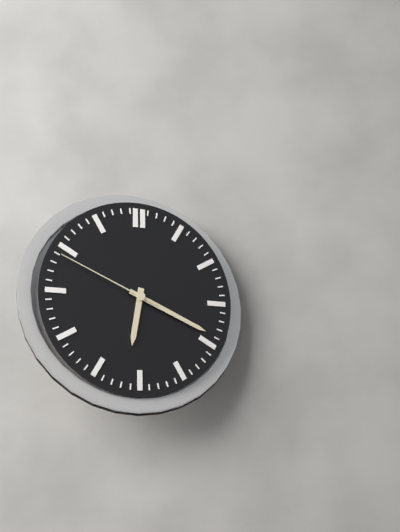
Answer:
6h19m49s
